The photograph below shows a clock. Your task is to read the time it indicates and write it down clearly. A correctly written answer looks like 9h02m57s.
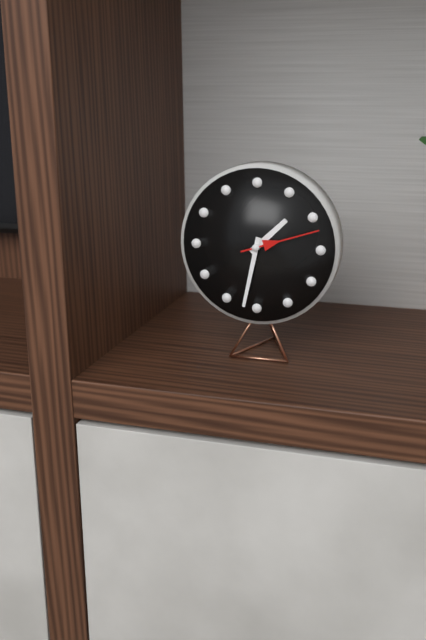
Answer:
1h32m12s
